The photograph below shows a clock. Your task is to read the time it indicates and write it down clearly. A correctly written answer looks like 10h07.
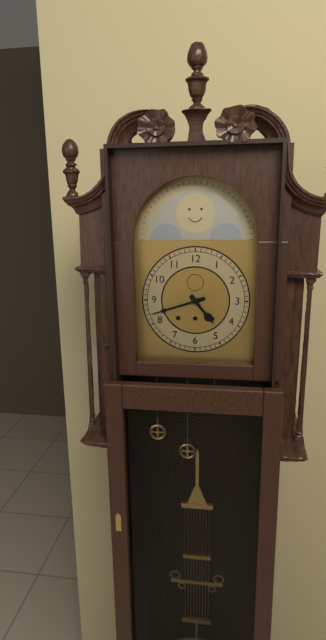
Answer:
4h42
